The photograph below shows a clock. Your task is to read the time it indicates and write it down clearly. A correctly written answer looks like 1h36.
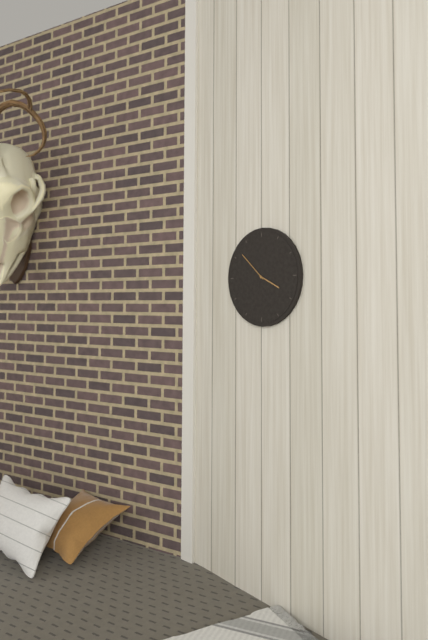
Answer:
3h52
